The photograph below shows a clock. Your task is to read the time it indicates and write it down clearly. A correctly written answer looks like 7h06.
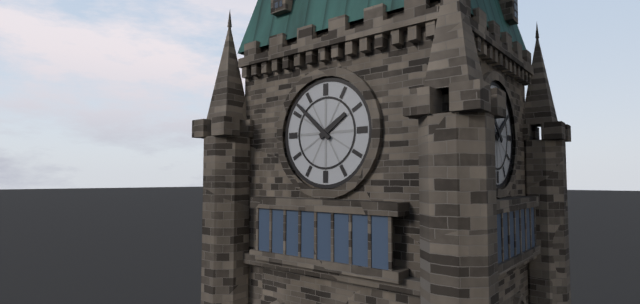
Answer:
1h52
